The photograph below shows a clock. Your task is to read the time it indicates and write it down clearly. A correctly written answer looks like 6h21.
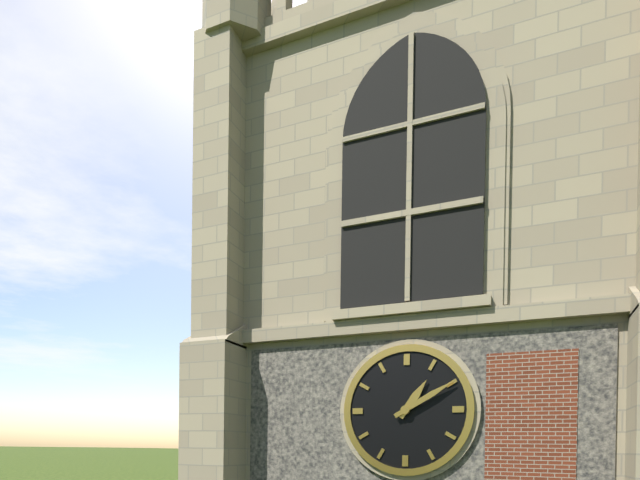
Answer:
1h10
